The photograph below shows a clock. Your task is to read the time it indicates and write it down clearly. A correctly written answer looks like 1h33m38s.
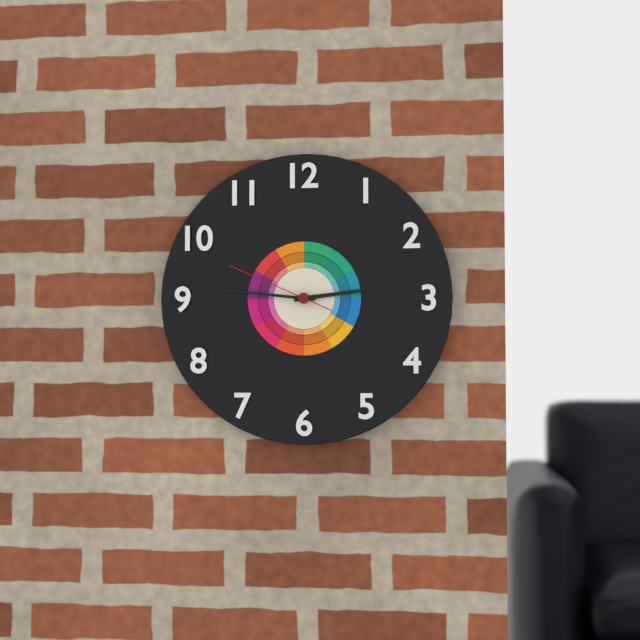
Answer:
2h46m49s
